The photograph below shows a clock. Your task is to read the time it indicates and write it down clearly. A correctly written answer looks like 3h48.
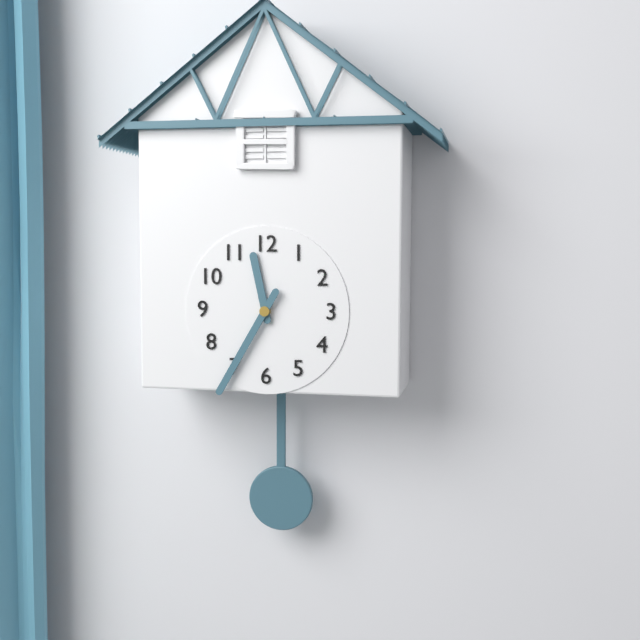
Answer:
11h35
